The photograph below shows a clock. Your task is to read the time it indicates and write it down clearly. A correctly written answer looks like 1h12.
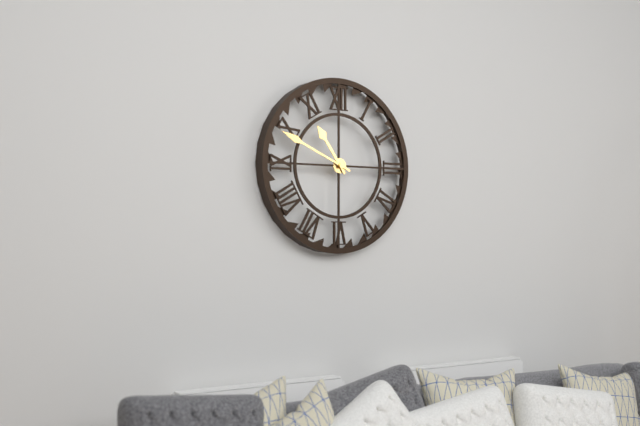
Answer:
10h49
